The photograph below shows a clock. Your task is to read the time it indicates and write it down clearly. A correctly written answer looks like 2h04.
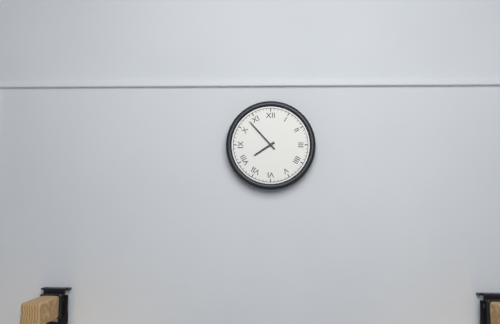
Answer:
7h53
